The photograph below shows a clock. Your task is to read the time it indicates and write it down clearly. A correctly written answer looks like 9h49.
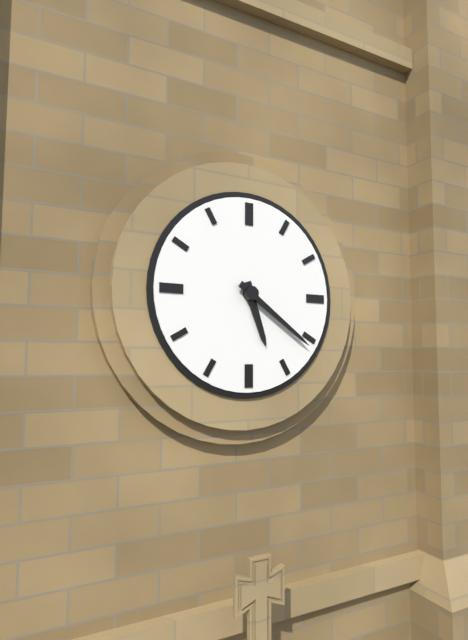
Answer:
5h21
